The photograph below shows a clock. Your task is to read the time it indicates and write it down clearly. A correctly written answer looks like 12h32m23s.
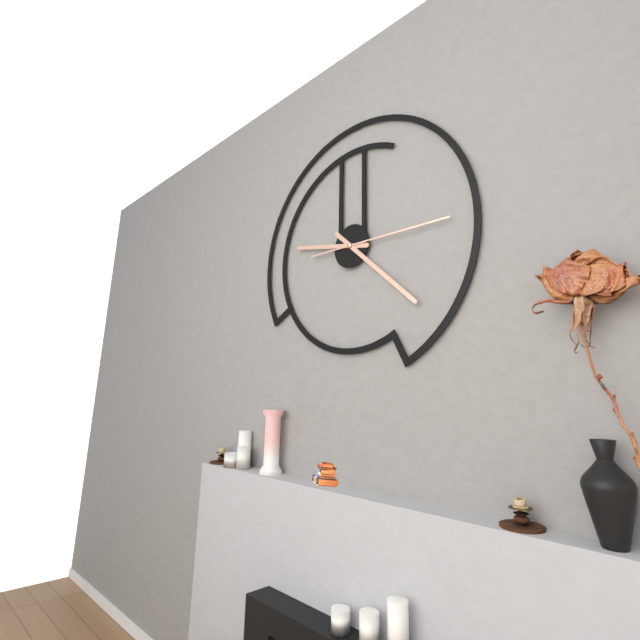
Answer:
9h22m15s
